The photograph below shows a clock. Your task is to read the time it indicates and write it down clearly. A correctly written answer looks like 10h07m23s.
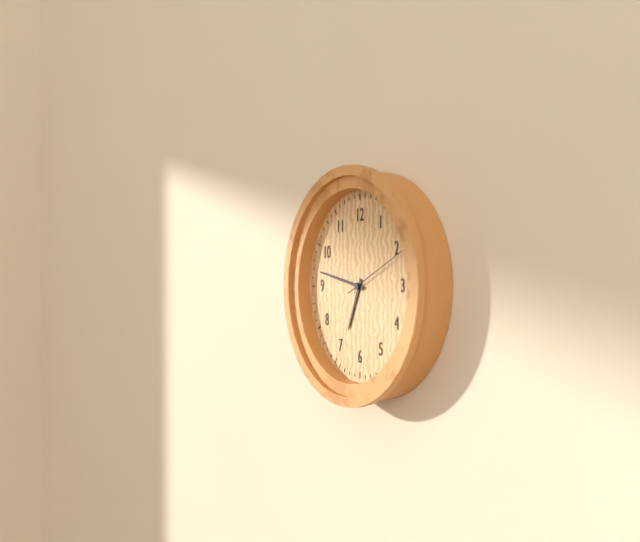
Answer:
6h47m11s
